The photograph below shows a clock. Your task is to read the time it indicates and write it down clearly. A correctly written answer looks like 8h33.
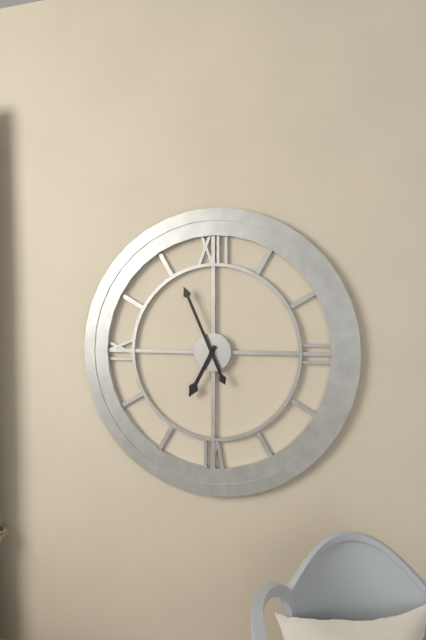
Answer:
6h56
